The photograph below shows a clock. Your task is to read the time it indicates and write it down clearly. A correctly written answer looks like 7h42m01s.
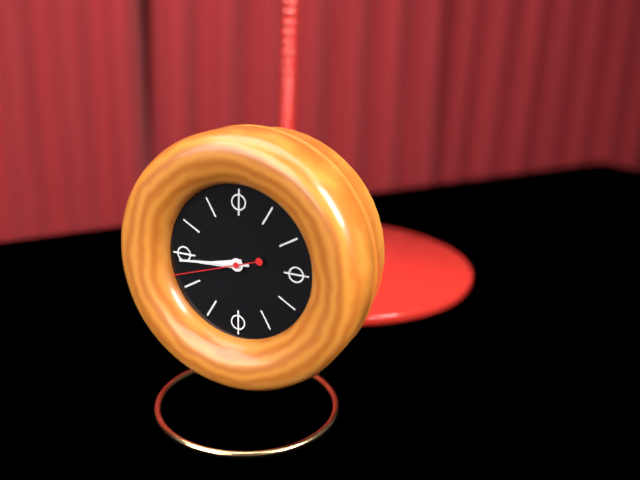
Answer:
8h44m42s
